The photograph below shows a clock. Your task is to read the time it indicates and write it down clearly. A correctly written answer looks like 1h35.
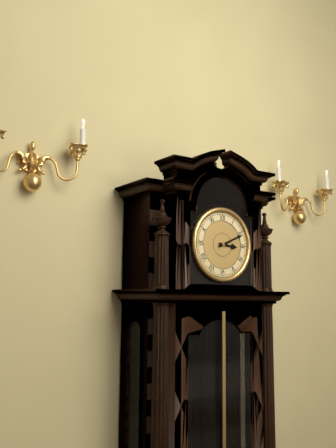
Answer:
3h11
